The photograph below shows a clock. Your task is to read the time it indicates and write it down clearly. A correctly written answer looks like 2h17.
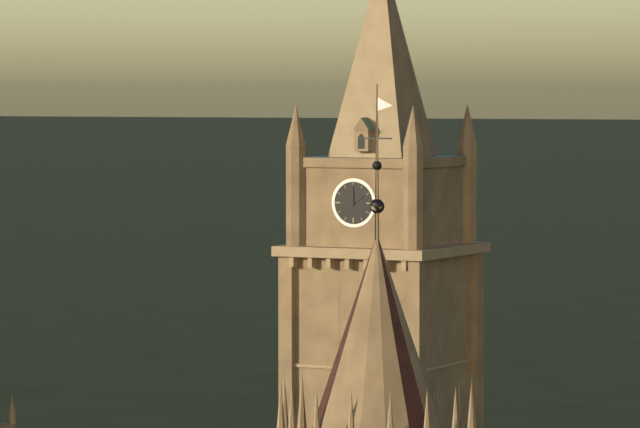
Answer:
2h00
